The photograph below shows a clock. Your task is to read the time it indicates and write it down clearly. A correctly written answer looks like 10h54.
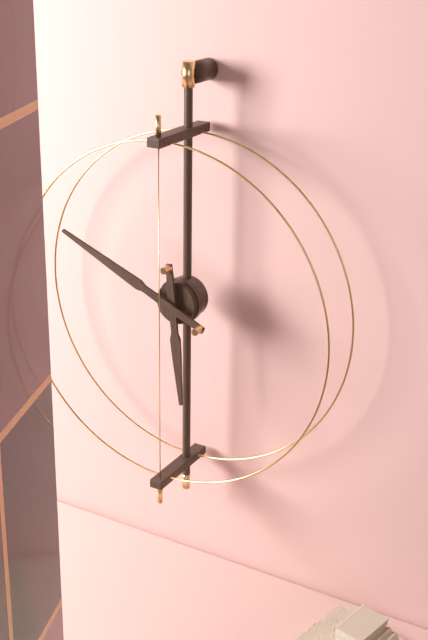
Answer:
5h49
